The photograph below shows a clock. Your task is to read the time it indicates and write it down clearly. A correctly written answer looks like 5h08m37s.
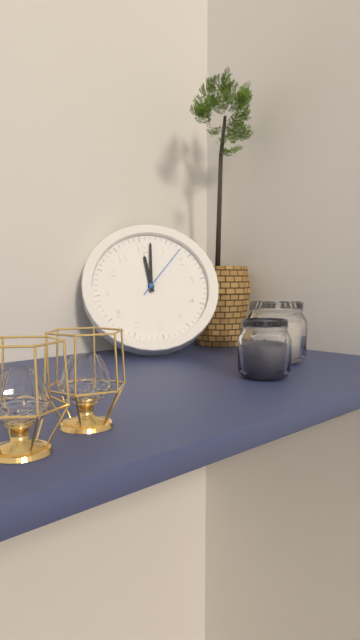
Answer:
12h02m08s
